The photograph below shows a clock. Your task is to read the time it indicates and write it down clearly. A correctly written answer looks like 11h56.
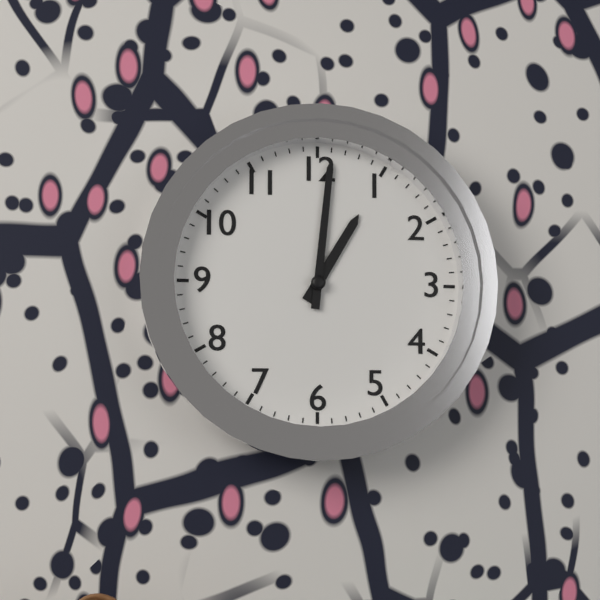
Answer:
1h01
